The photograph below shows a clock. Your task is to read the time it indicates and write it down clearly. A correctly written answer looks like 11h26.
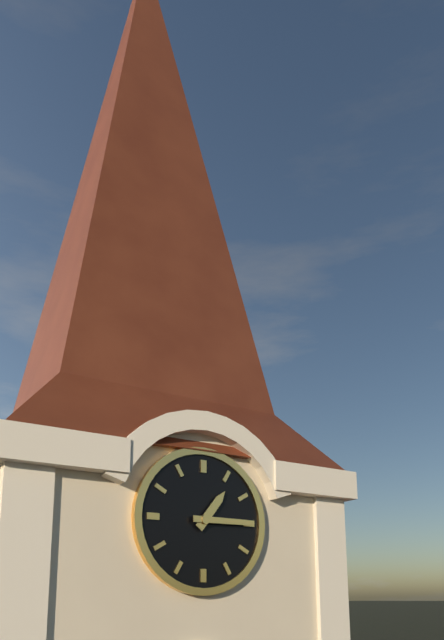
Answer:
1h15
